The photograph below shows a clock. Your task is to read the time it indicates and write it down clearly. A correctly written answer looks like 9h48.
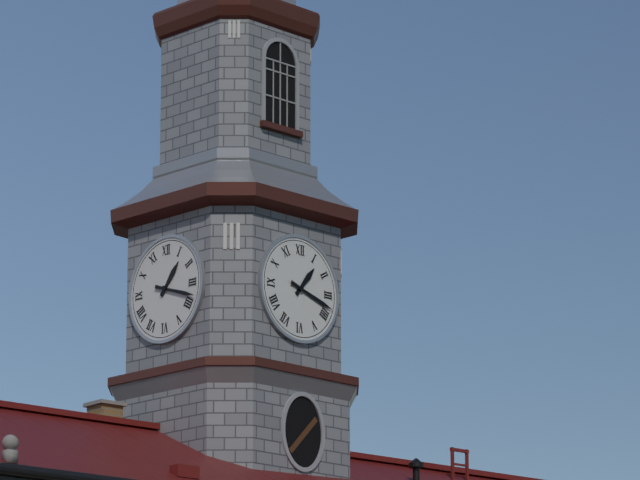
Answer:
1h18
